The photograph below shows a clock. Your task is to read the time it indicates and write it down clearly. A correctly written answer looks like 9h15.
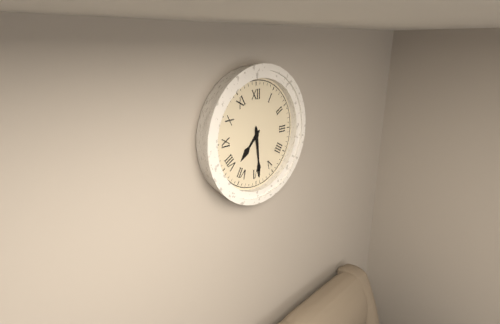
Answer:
7h29
